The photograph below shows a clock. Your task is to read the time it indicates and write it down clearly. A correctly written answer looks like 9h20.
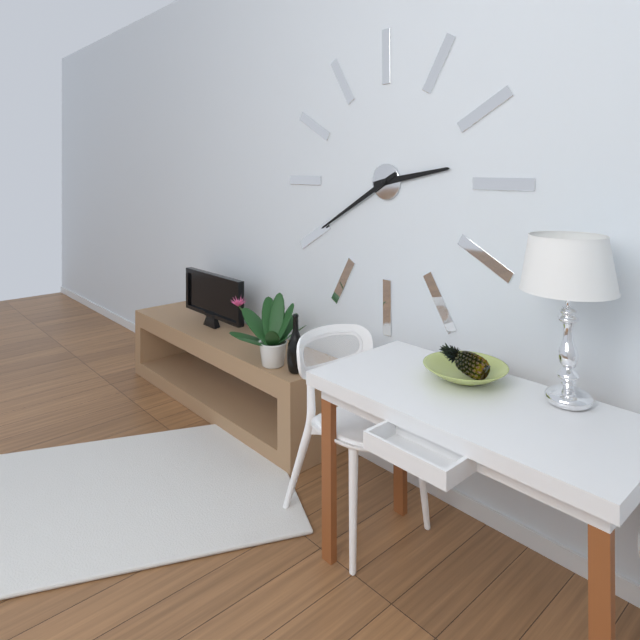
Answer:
2h40
